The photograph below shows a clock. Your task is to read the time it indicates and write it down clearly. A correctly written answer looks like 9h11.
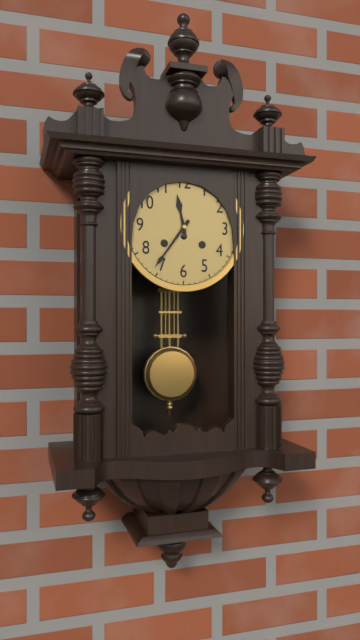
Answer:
11h36
